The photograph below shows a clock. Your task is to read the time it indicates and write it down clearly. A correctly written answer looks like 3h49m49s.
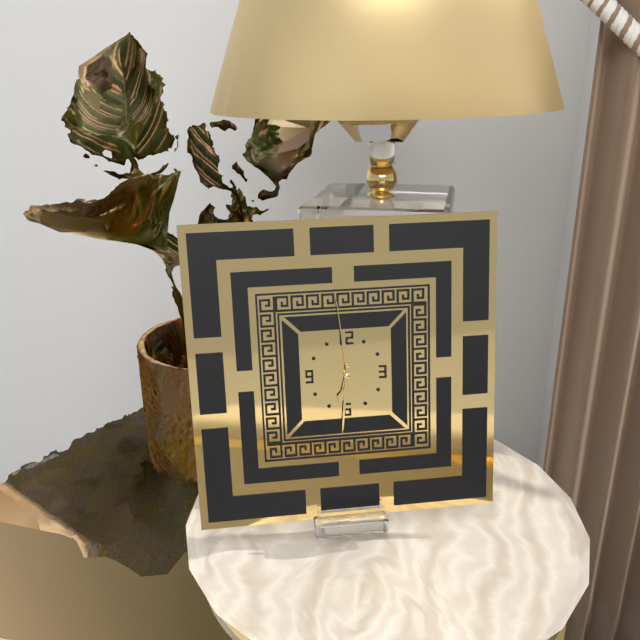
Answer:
6h31m59s
